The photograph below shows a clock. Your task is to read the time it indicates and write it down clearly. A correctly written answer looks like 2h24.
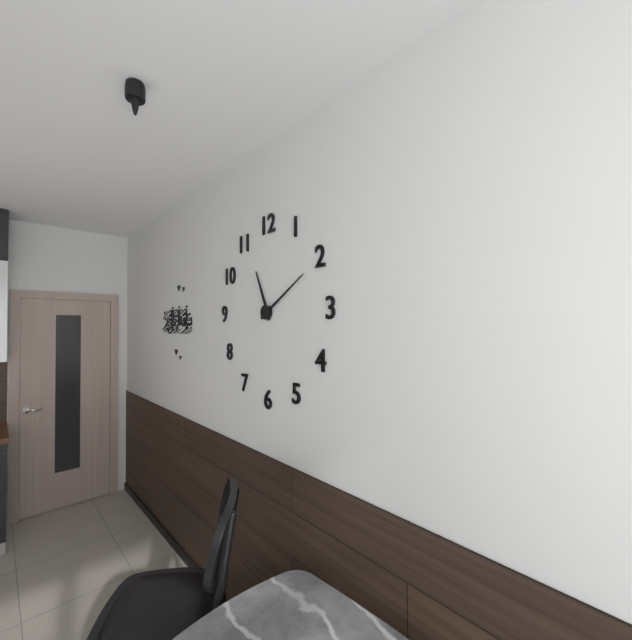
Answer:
11h10
